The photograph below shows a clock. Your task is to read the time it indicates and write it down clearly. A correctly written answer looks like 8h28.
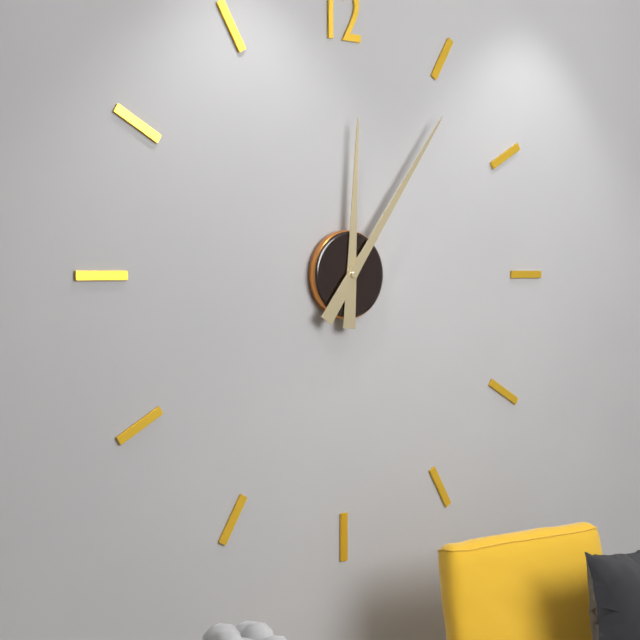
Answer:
12h06
